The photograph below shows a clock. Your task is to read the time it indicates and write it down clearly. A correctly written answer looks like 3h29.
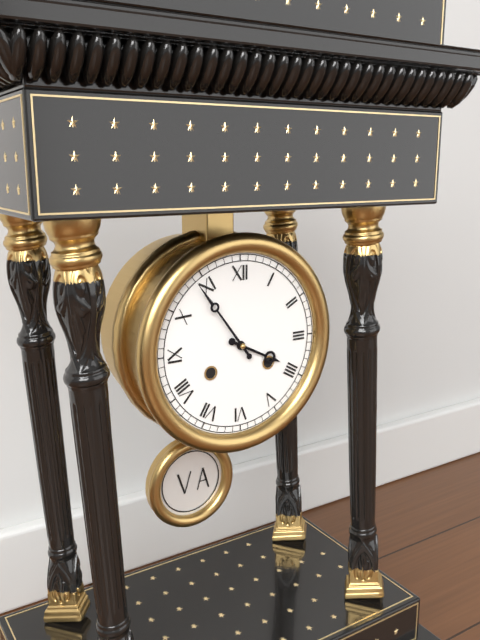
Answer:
3h54
